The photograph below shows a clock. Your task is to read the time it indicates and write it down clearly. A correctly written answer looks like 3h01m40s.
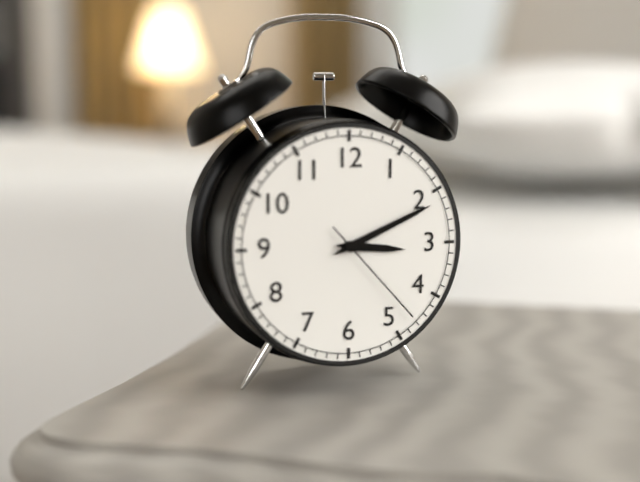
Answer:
3h11m23s
